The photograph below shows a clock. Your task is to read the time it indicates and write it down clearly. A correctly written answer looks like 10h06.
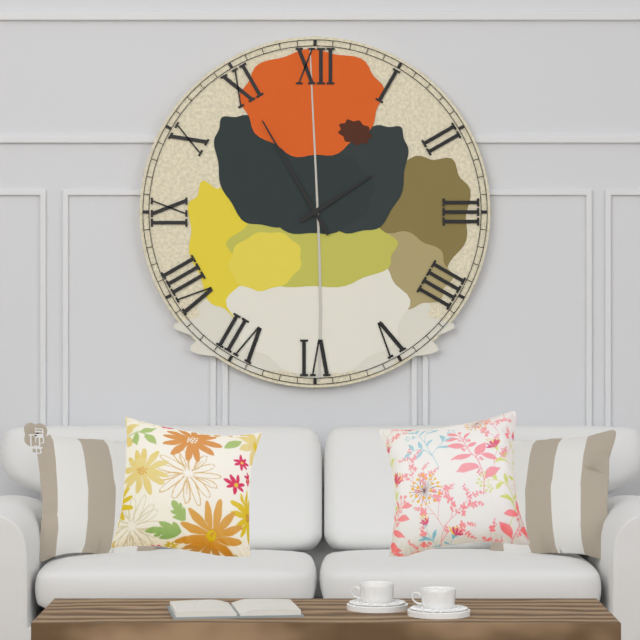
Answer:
1h55
